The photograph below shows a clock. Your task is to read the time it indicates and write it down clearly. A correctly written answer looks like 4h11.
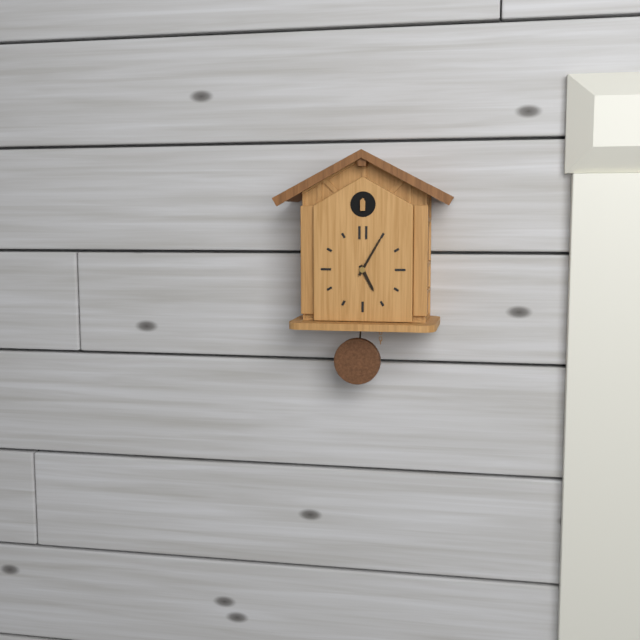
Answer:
5h05
